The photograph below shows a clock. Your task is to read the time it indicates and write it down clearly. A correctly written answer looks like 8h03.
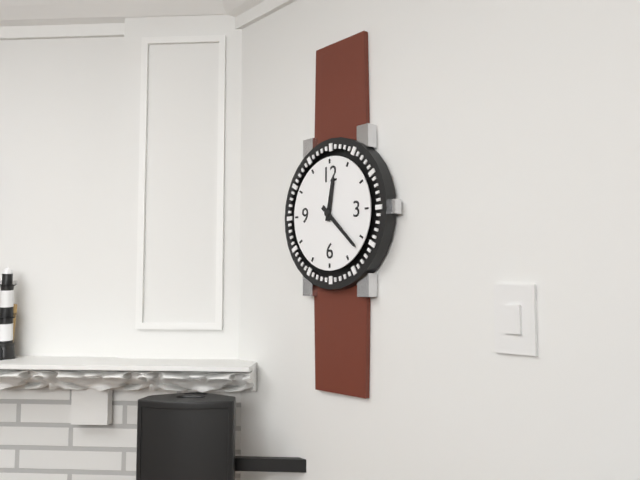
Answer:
12h22
